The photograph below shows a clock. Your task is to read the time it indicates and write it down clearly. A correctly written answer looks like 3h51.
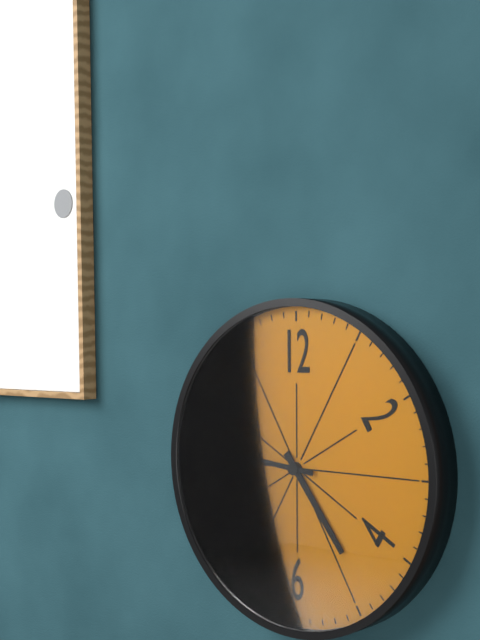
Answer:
4h46
